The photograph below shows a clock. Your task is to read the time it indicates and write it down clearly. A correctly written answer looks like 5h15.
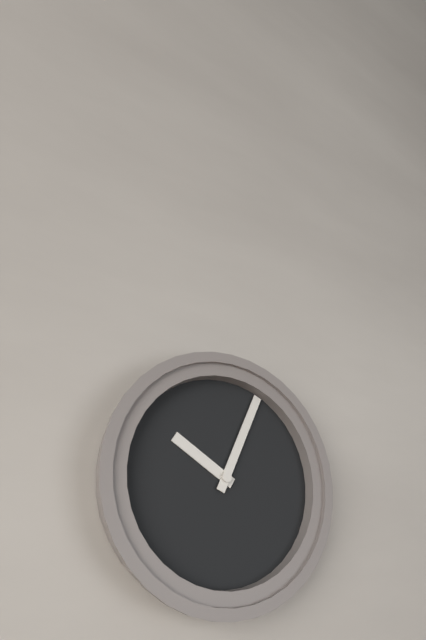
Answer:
10h04
